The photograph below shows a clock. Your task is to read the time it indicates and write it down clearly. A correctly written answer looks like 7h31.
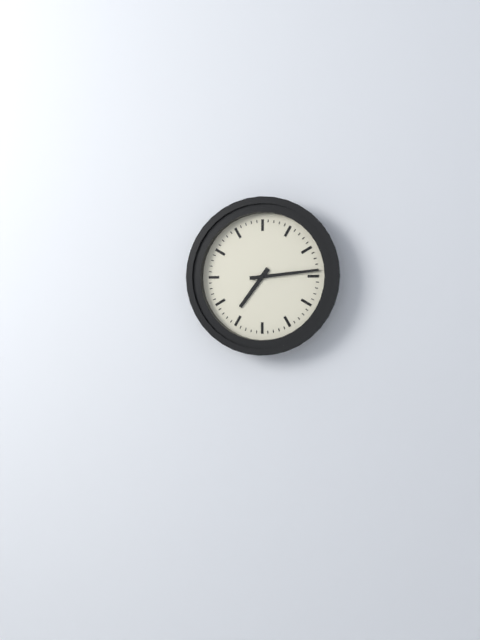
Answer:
7h14
